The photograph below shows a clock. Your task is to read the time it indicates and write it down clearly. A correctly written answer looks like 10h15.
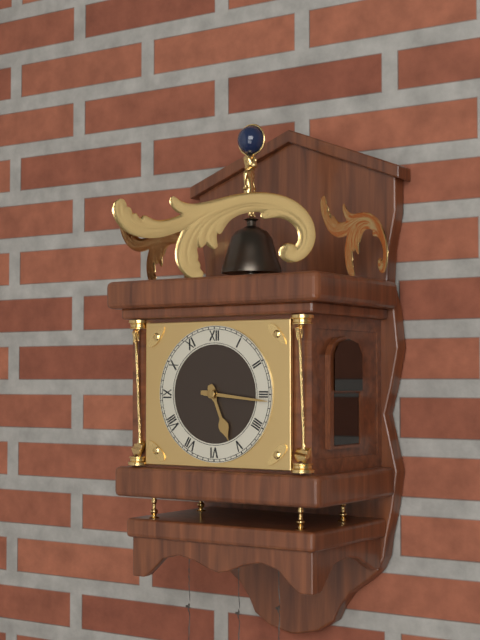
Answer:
5h16
